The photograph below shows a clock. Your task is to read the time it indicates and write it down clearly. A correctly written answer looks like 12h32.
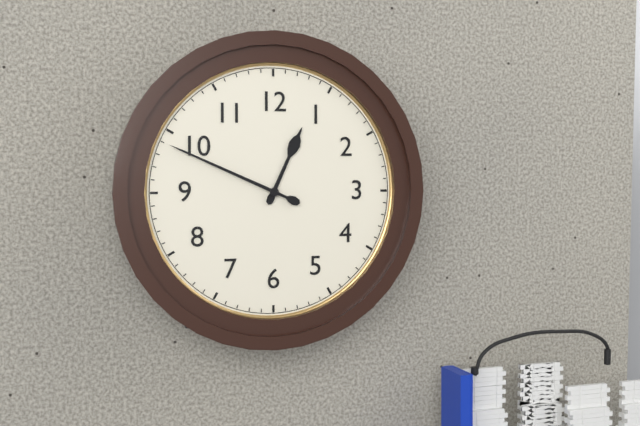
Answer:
12h49
